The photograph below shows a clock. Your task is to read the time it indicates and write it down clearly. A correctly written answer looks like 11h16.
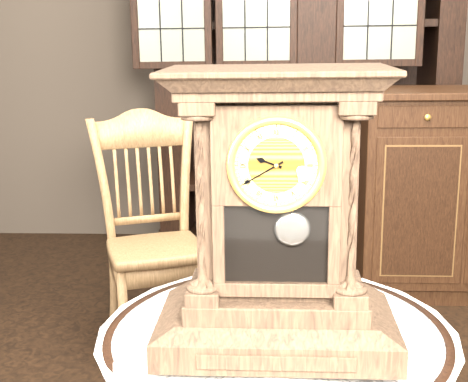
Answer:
9h40
